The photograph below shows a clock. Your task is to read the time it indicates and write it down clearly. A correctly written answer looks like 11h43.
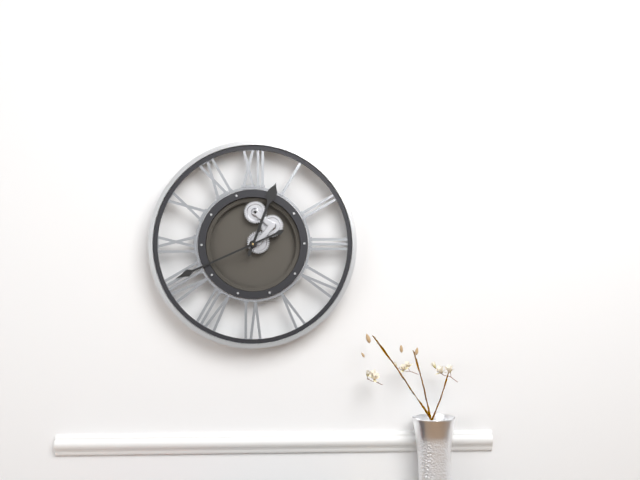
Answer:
12h41
